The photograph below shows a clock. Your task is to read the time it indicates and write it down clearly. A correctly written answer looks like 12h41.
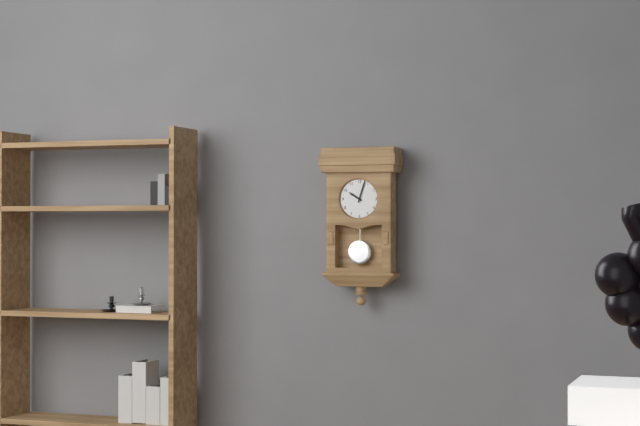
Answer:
10h03
